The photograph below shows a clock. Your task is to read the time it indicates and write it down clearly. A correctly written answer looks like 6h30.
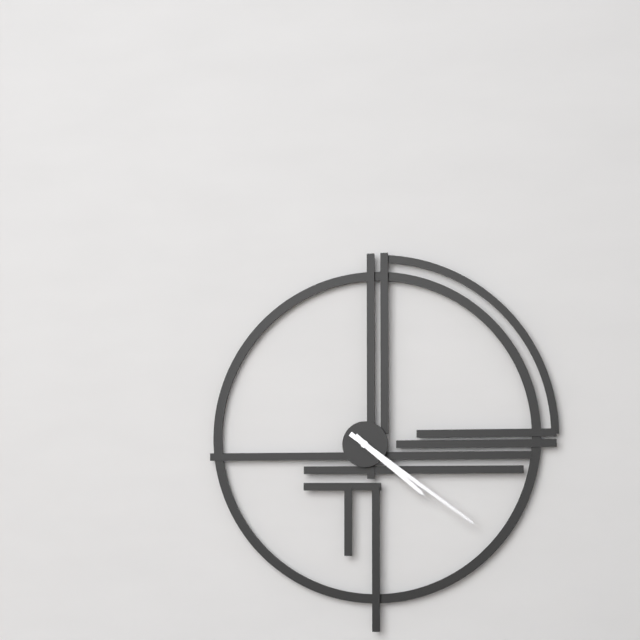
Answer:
4h21
